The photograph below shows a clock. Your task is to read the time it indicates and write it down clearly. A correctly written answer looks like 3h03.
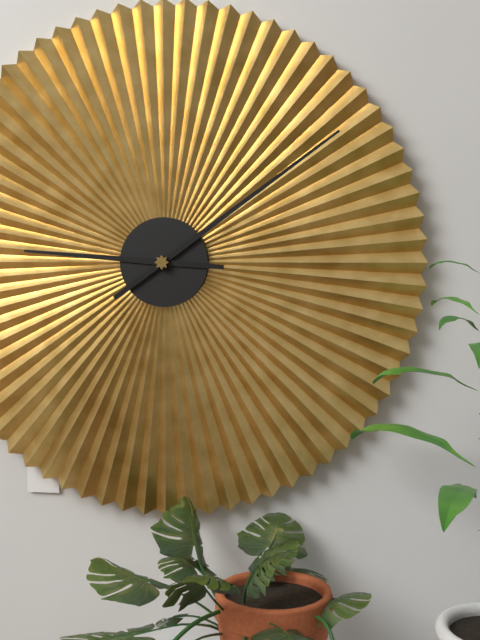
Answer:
9h09
